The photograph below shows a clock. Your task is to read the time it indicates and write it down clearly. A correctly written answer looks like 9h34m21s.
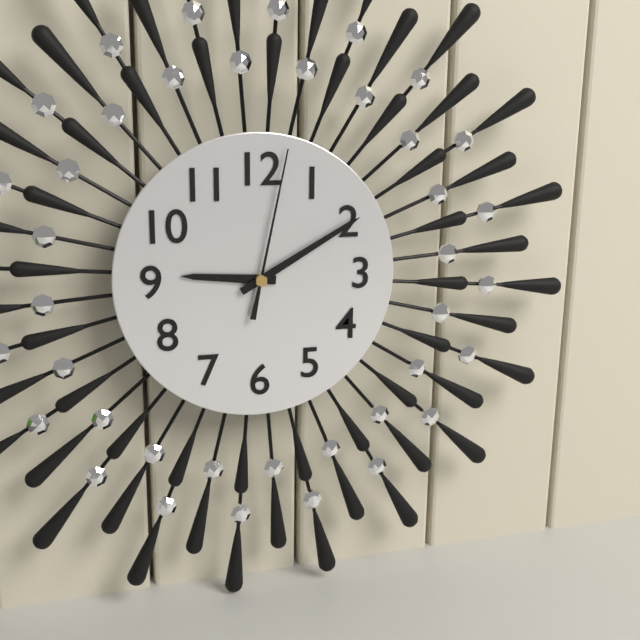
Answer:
9h10m02s
